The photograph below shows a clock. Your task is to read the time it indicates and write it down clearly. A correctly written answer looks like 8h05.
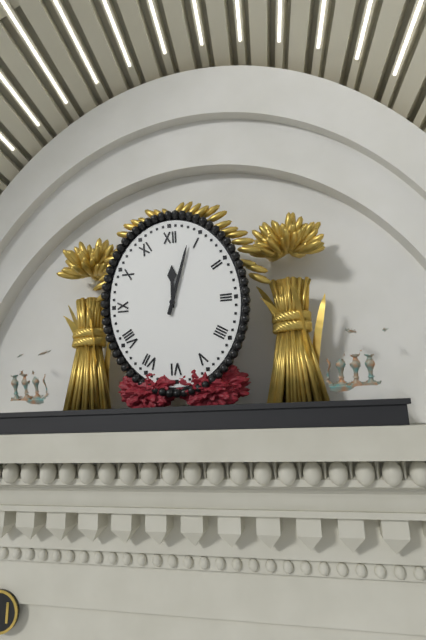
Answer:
12h03
